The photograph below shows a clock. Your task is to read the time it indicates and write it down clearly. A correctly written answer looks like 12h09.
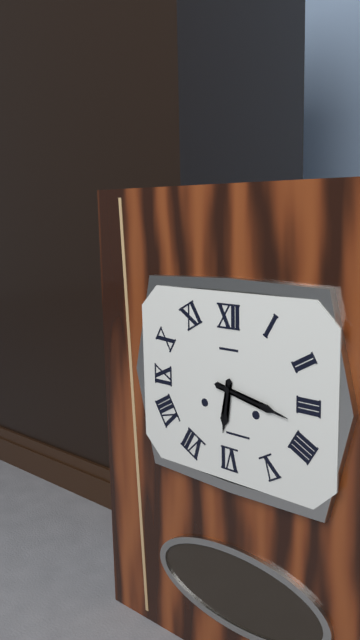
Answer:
6h17
